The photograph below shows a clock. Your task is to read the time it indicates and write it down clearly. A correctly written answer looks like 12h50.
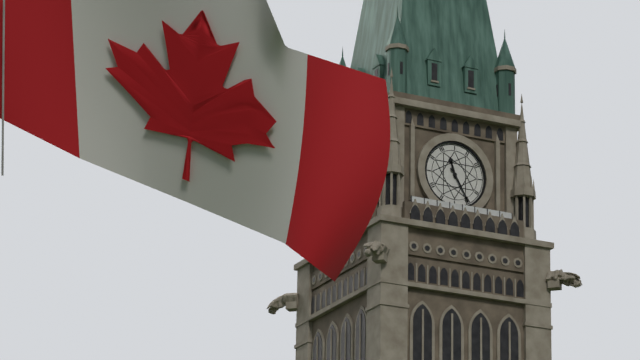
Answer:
11h25
